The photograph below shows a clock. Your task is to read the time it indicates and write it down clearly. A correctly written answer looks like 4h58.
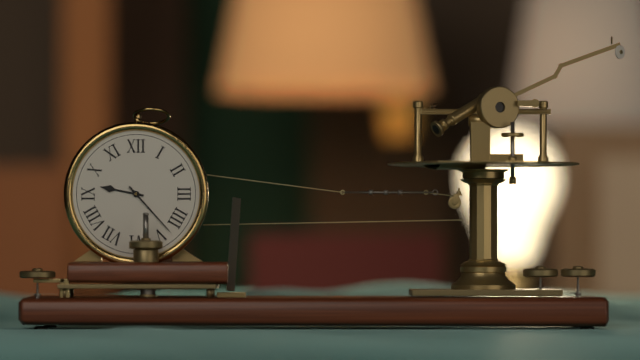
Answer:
9h23
